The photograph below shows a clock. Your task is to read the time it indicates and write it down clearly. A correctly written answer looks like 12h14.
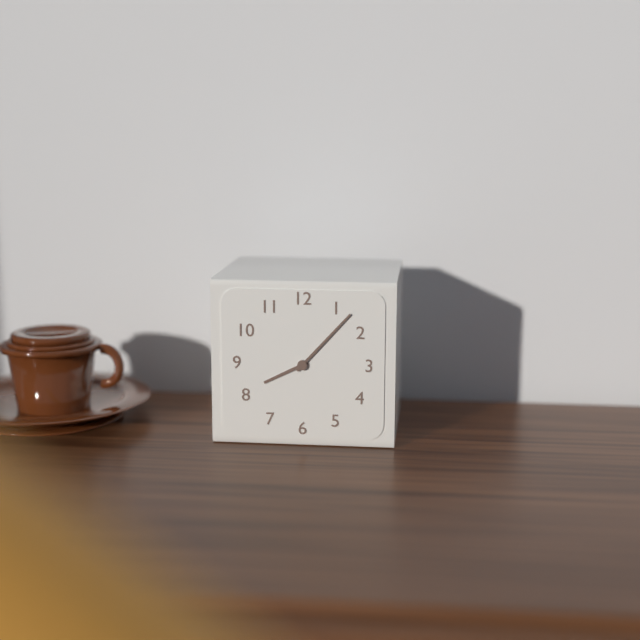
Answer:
8h07
